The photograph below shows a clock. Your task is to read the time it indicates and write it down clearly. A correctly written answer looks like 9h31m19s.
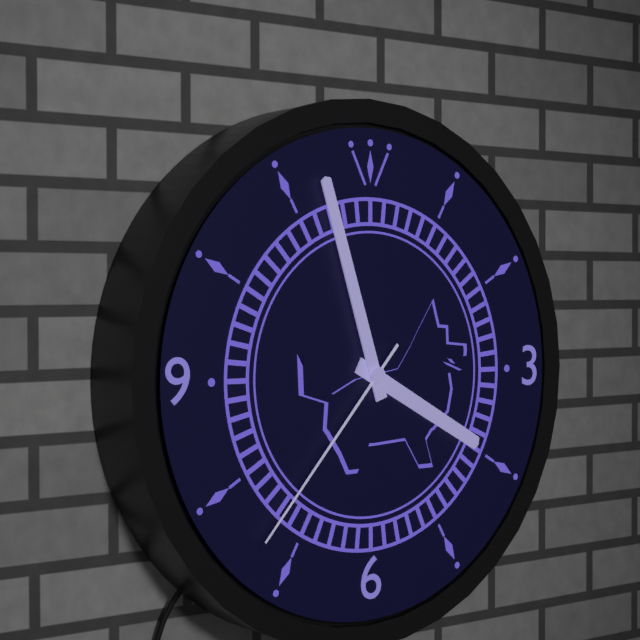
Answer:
3h57m37s
